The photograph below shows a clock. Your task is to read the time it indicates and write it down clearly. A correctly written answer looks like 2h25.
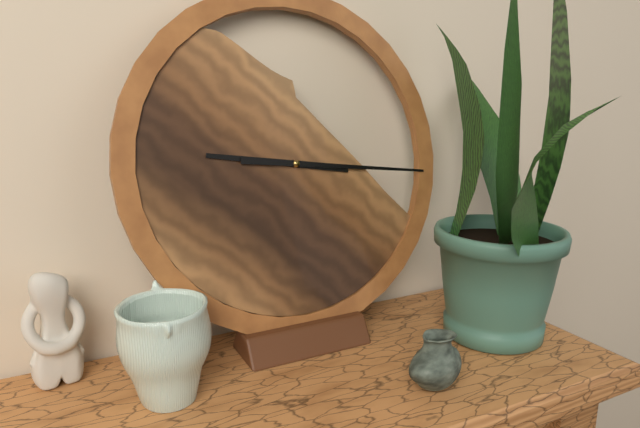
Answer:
9h16
